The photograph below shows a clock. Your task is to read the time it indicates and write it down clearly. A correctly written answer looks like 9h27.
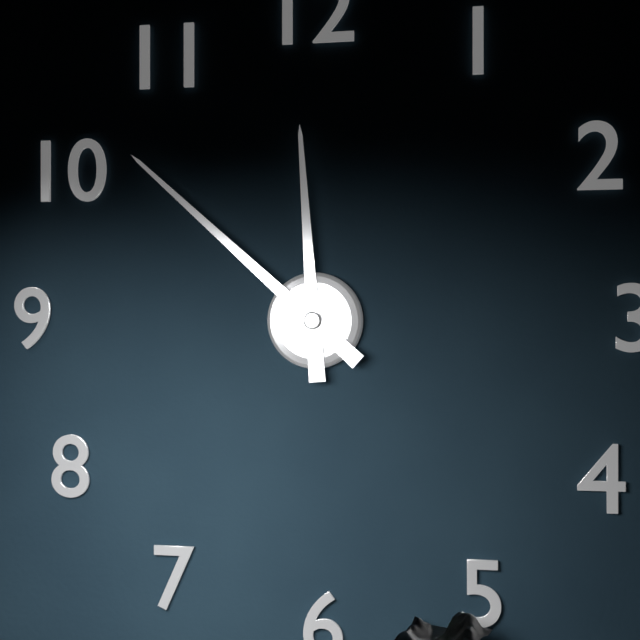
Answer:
11h52
